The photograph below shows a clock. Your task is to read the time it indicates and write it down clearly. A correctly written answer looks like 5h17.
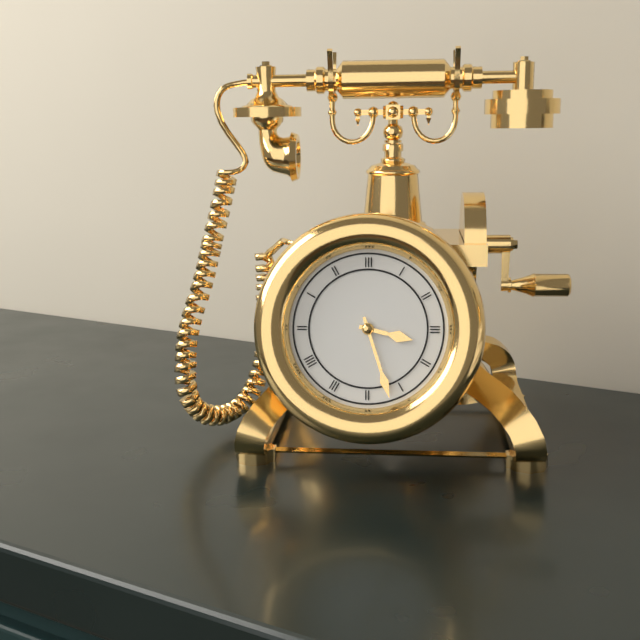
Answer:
3h27
